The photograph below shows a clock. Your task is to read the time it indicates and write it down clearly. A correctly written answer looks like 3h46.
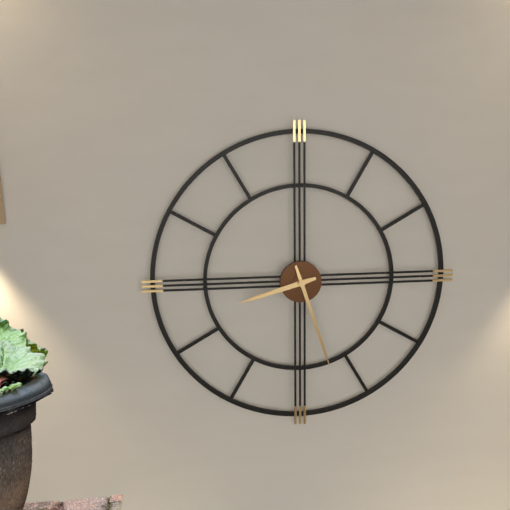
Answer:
8h27
